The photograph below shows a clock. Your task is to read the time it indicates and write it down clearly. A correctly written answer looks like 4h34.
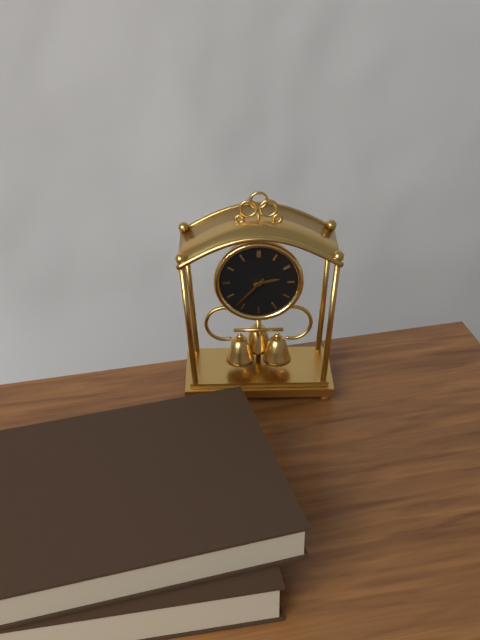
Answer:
2h37
